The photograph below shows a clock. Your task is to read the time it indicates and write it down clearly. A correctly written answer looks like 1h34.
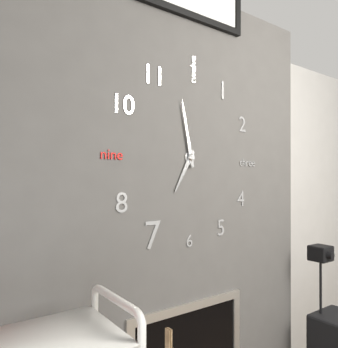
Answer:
6h58
